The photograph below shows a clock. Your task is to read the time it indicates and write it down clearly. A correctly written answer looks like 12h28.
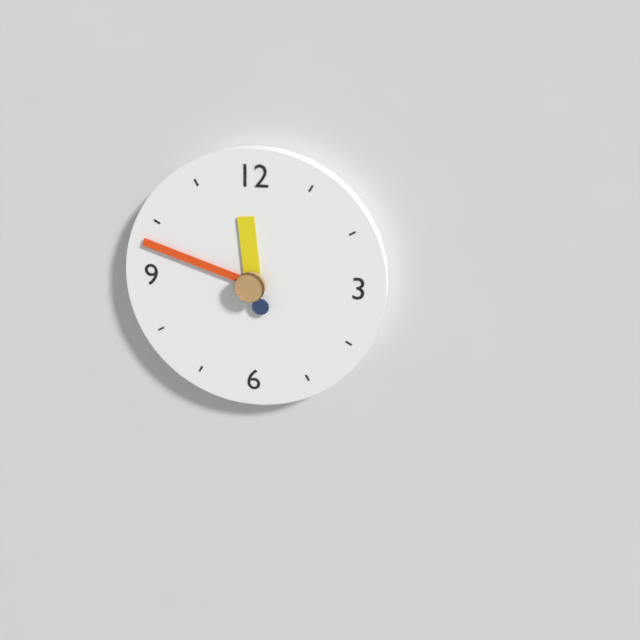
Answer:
11h48
